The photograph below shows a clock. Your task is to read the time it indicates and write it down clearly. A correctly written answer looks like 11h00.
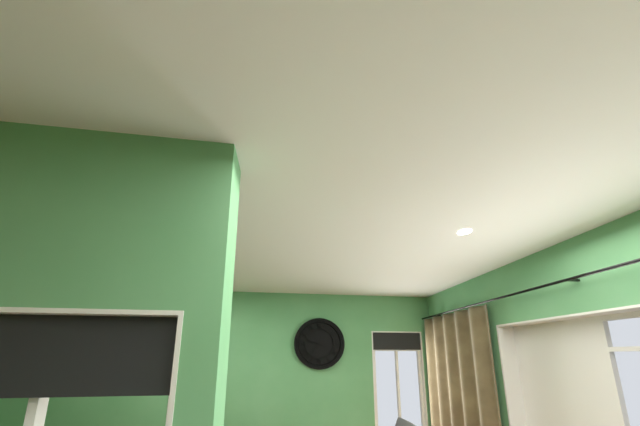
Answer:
9h36
